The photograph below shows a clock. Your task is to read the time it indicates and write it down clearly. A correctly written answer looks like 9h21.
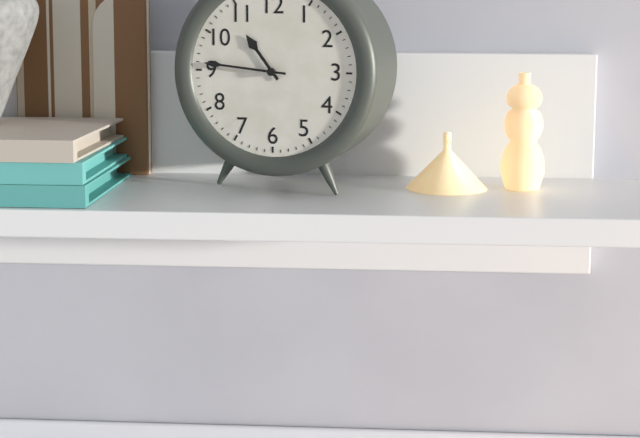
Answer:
10h46
